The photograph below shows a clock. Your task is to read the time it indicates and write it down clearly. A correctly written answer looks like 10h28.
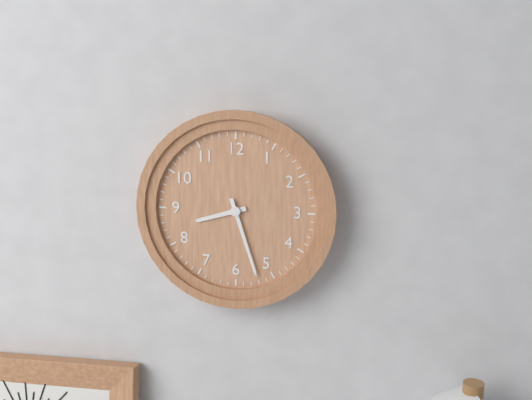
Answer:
8h27
